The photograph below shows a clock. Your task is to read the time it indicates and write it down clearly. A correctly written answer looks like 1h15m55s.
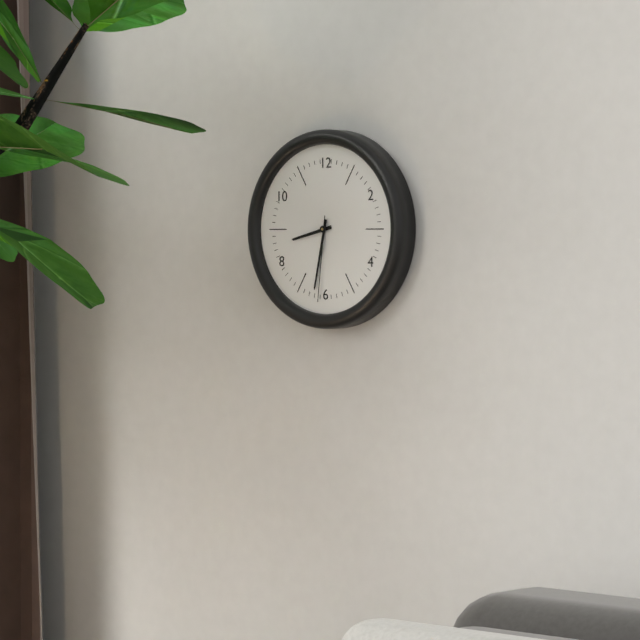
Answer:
8h32m31s
